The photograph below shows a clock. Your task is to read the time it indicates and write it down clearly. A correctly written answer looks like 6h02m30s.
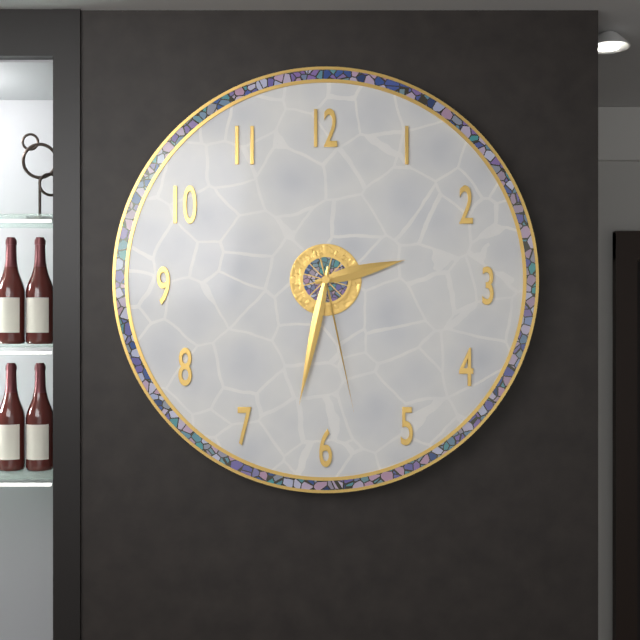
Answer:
2h32m28s
